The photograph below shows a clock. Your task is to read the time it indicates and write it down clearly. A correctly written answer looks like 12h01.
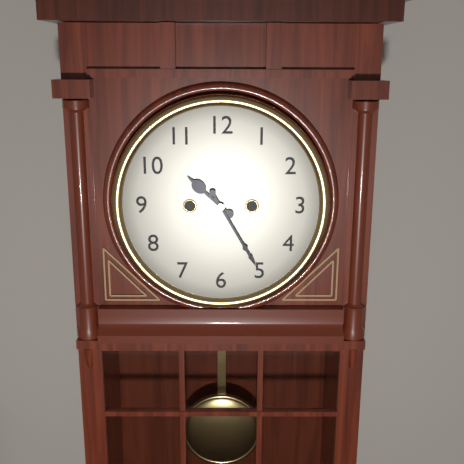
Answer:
10h25
